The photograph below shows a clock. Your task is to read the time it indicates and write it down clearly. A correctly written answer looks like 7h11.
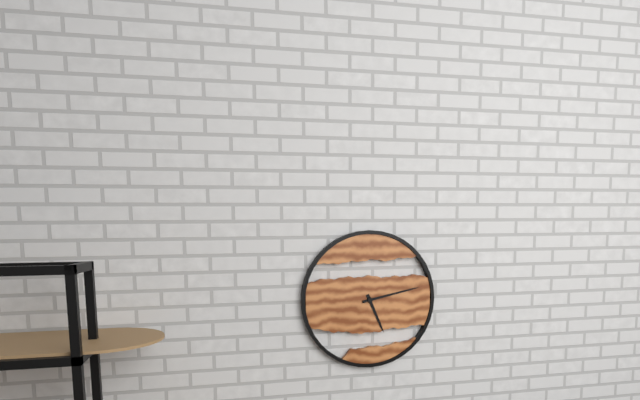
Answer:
5h13
